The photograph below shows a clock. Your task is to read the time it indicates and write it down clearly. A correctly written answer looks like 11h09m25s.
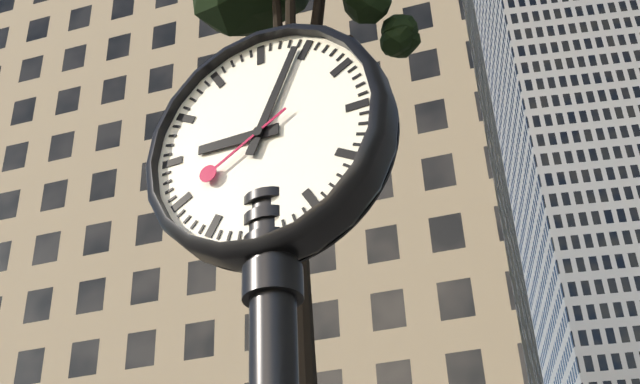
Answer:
9h04m40s
